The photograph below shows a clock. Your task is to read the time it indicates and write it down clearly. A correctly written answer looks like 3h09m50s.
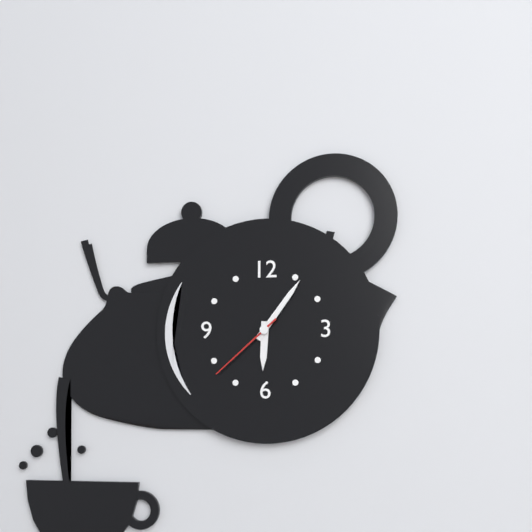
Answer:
6h06m38s
